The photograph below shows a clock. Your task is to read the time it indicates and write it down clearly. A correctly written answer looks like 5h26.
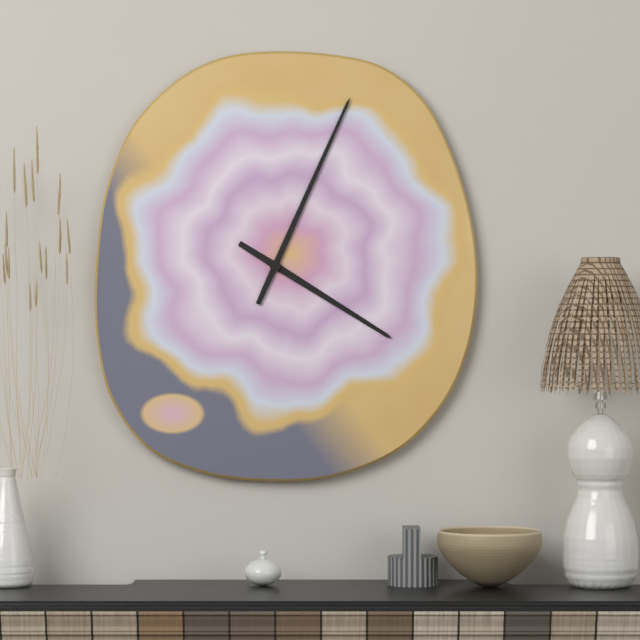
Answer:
4h04
